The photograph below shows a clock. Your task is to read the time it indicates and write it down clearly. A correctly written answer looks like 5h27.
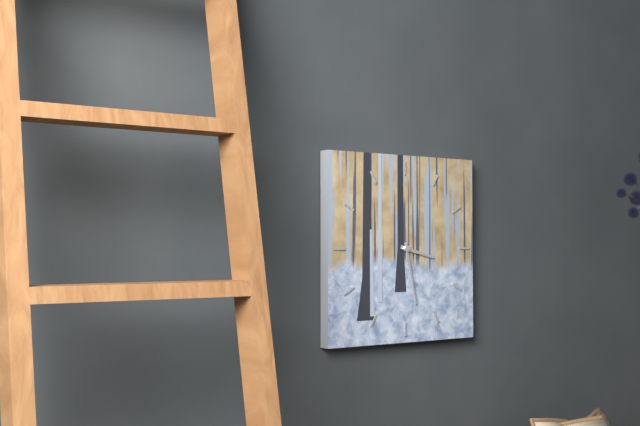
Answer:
3h28
